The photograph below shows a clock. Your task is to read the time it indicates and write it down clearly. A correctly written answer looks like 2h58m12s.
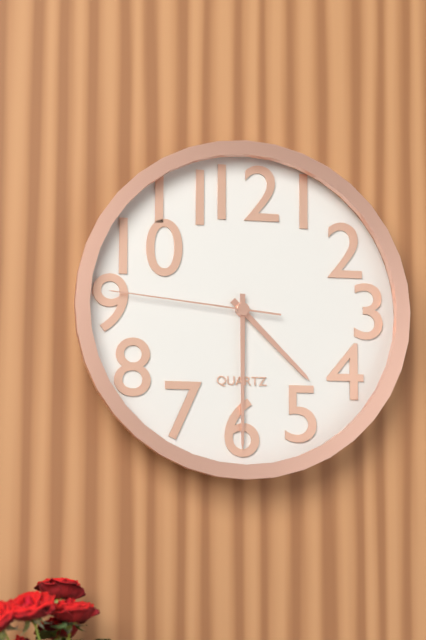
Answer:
4h30m46s
